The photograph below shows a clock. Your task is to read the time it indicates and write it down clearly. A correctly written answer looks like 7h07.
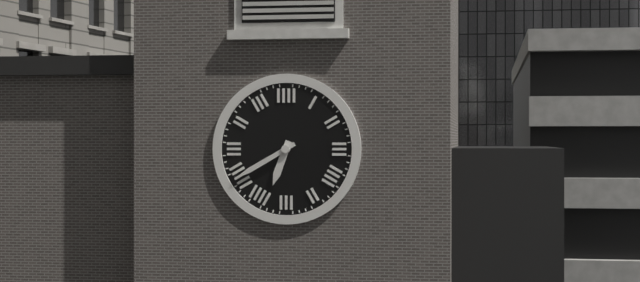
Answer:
6h40
